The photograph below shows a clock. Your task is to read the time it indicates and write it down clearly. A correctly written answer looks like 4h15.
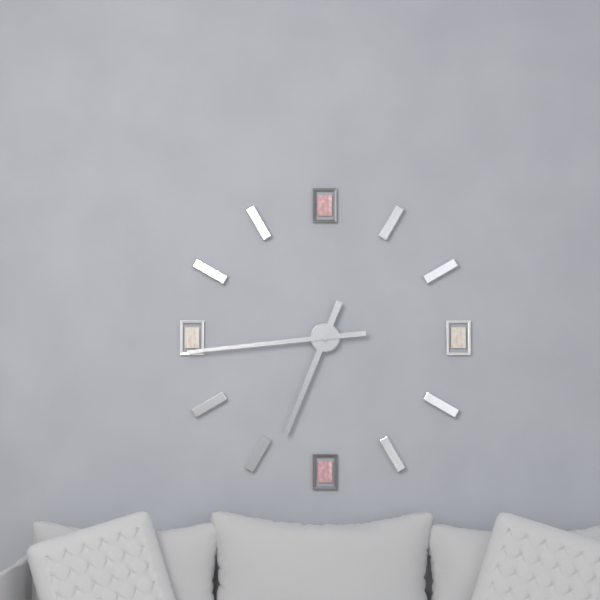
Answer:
6h44
